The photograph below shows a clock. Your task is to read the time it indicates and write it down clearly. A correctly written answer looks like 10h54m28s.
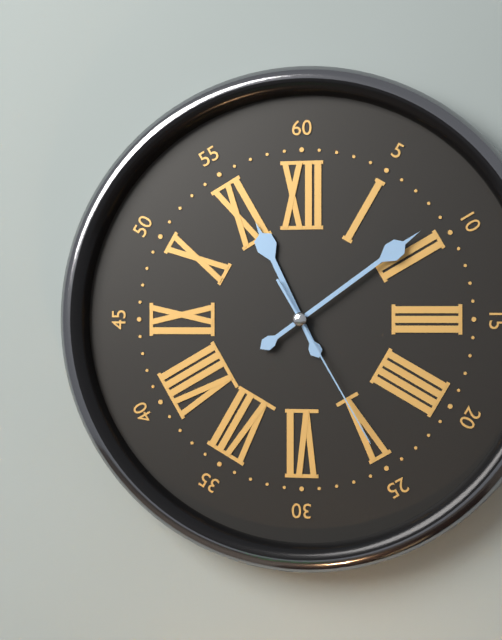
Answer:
11h09m25s
